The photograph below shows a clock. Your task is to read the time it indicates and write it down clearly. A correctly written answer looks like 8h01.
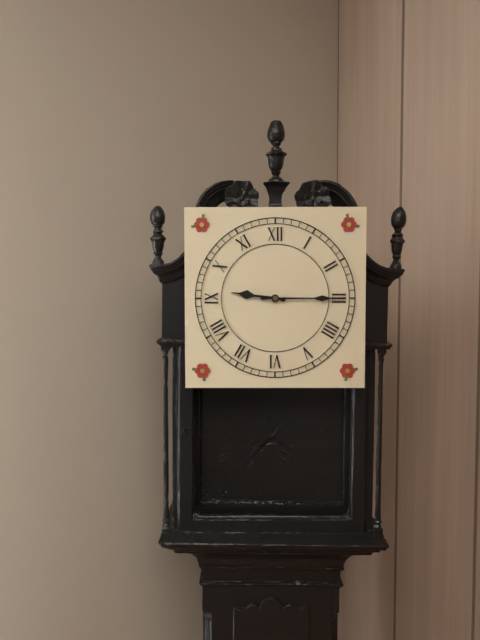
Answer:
9h15
